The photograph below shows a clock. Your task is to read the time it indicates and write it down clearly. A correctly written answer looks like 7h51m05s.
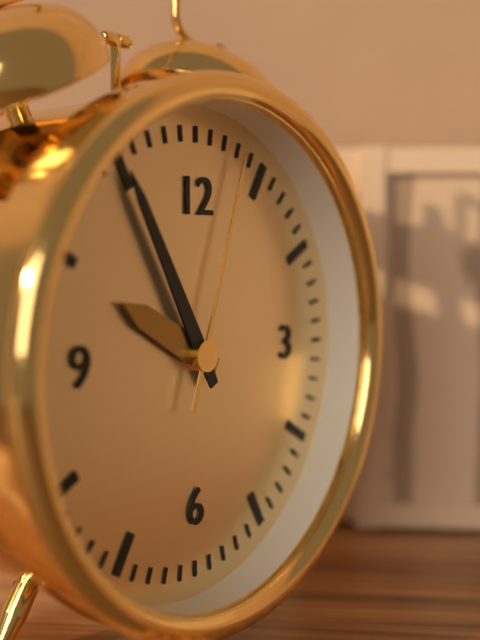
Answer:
9h55m03s
